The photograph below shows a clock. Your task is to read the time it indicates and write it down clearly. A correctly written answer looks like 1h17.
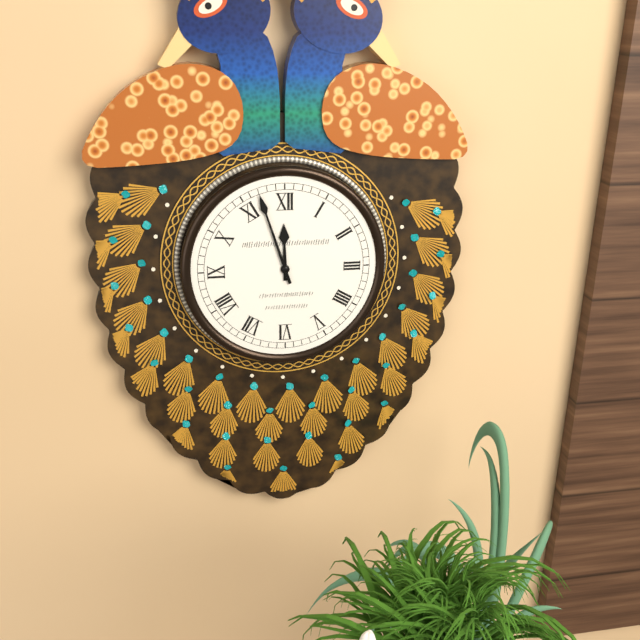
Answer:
11h57
